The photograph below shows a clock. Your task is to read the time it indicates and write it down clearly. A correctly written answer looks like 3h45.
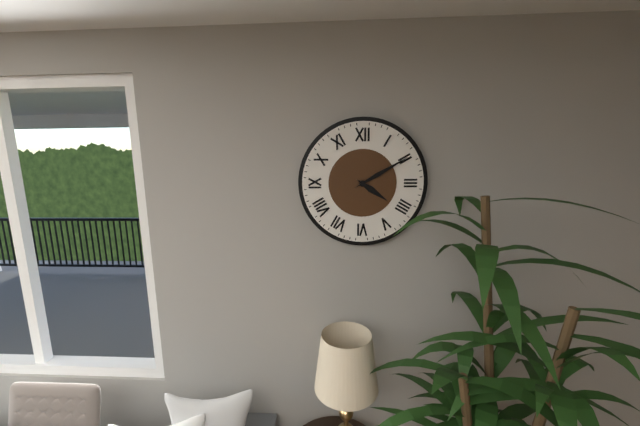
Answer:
4h10
